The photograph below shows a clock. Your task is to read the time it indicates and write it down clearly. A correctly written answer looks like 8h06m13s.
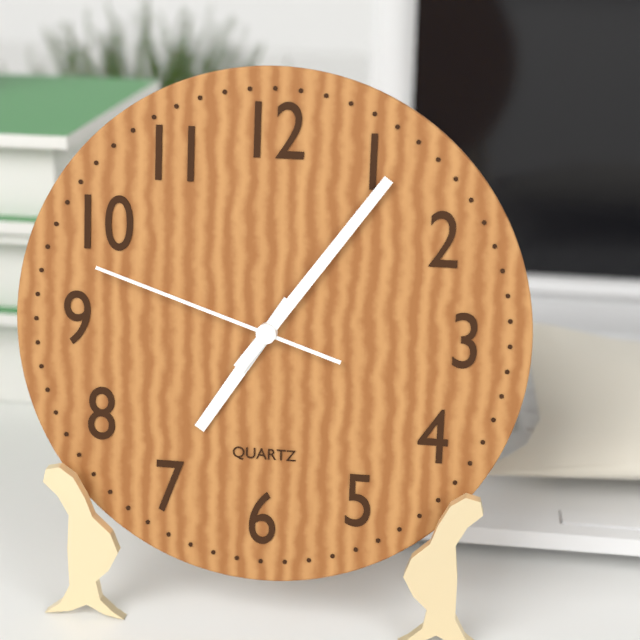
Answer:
7h06m48s
